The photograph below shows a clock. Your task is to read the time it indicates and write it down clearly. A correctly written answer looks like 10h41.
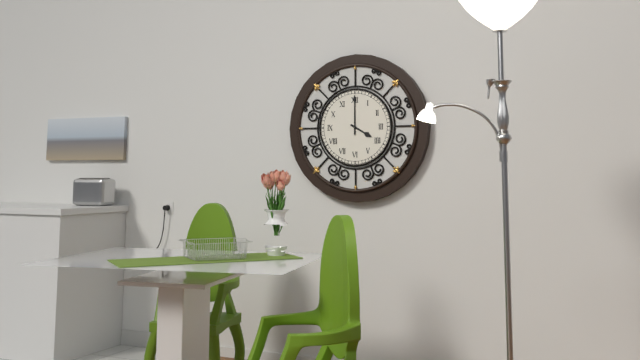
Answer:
4h00
